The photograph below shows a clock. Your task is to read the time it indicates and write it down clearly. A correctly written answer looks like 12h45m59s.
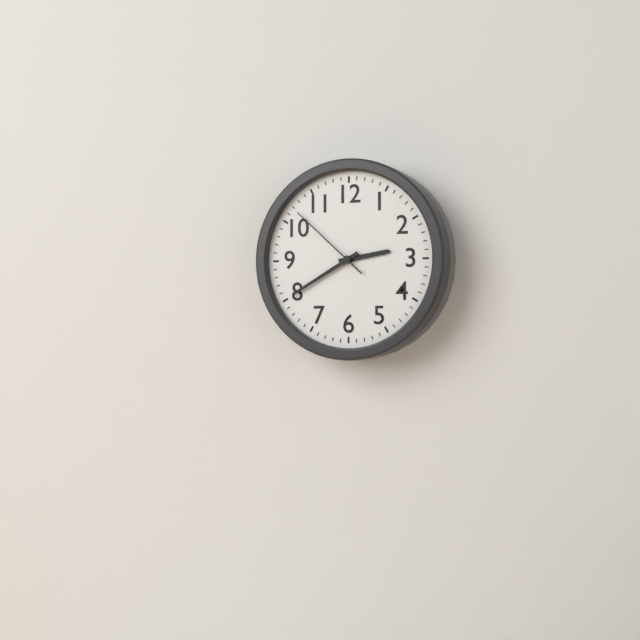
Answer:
2h40m52s
